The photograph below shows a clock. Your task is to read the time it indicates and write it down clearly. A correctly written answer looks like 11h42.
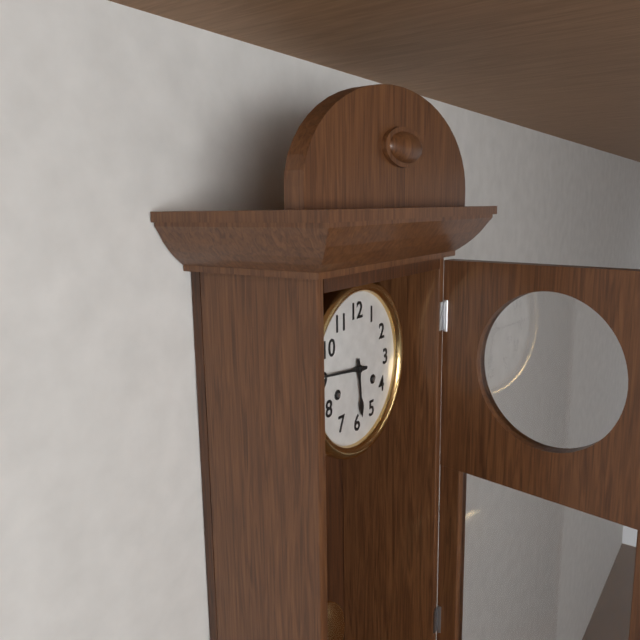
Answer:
5h46
